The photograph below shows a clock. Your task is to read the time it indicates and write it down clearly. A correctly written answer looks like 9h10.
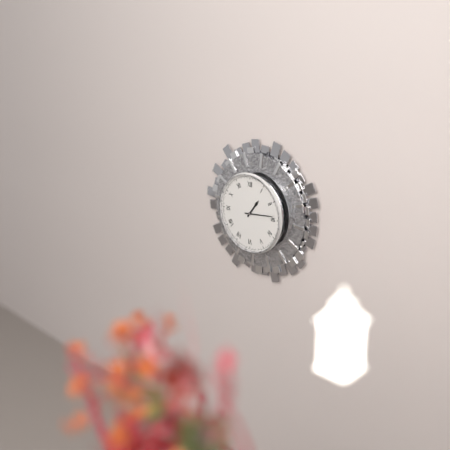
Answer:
1h14
